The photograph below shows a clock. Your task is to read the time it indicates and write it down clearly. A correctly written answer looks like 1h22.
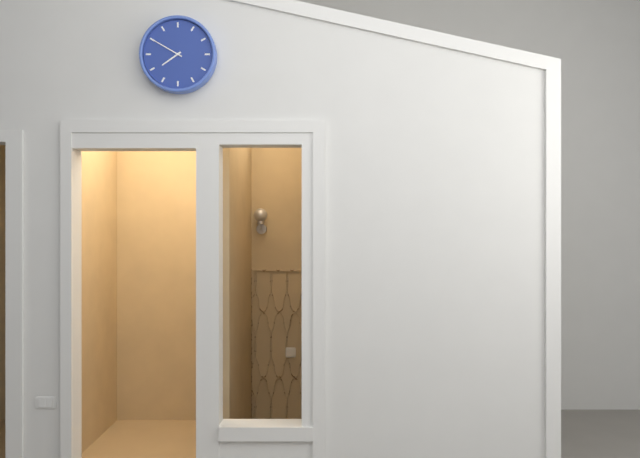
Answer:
7h50
